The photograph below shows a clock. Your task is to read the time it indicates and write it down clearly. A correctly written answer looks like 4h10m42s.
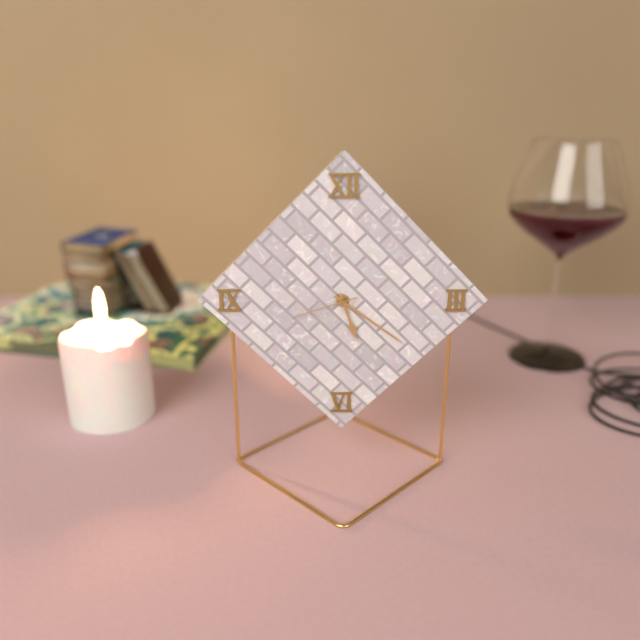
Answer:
5h21m42s
